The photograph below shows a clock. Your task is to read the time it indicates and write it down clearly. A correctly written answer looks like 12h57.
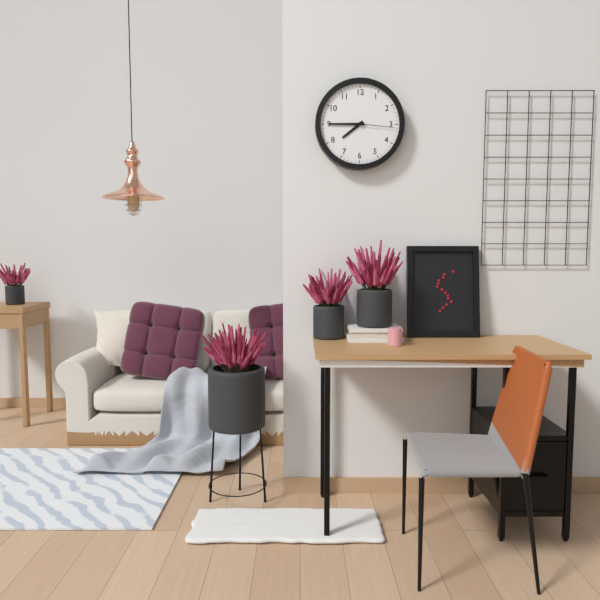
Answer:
7h45
